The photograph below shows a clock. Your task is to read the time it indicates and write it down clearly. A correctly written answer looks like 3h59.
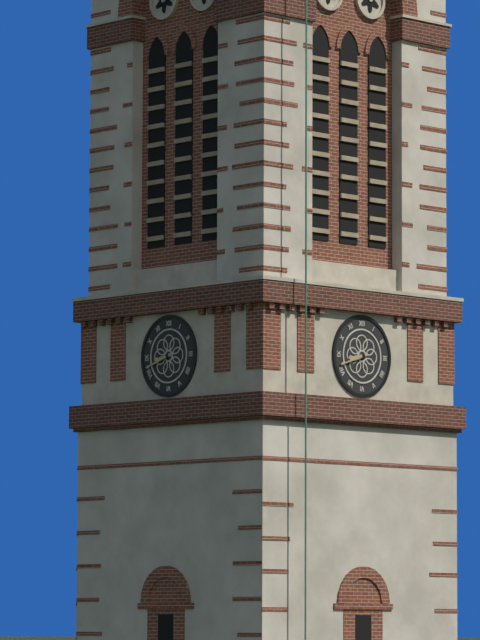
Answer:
8h42
